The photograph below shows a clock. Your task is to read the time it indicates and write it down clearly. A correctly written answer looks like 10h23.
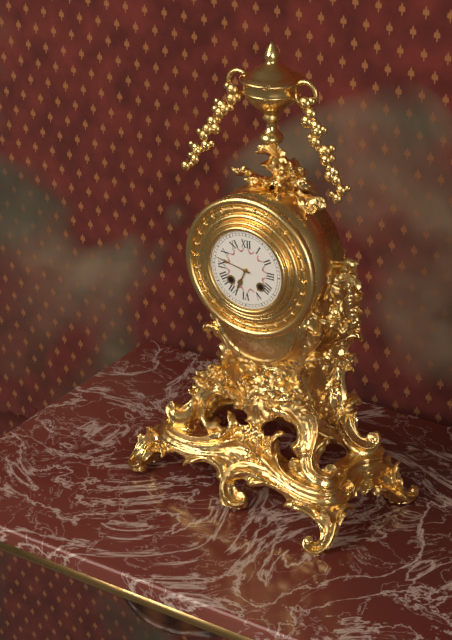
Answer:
6h47
